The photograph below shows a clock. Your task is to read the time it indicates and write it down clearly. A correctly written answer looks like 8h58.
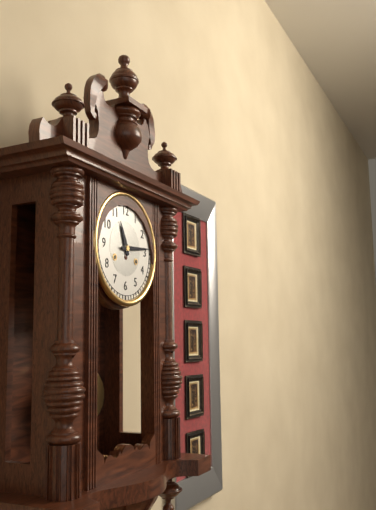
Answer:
11h14
